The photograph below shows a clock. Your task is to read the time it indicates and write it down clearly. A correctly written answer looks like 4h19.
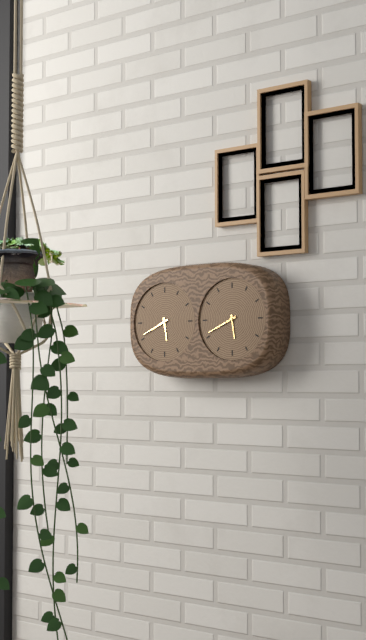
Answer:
5h41
